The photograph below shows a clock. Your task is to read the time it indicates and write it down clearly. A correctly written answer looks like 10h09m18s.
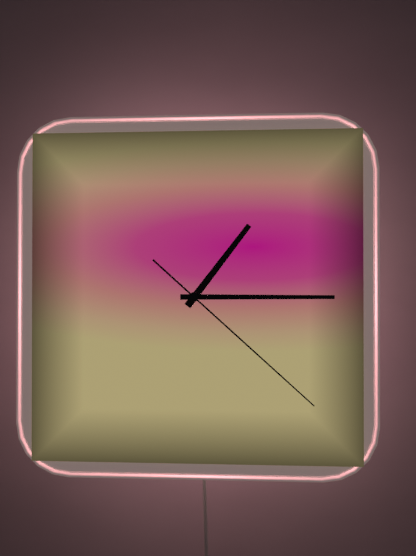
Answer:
1h15m22s
